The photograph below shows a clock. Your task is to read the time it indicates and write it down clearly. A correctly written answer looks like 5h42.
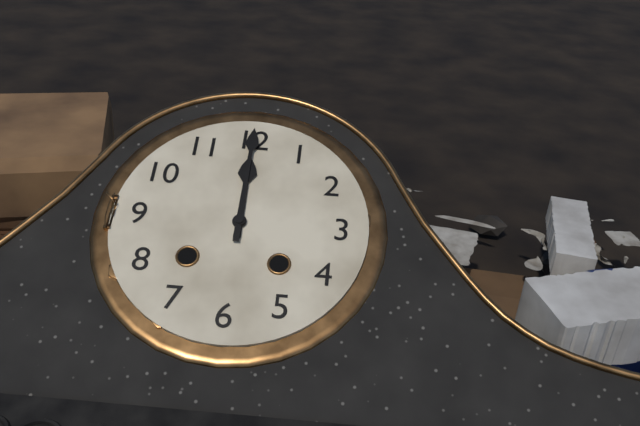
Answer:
12h00
